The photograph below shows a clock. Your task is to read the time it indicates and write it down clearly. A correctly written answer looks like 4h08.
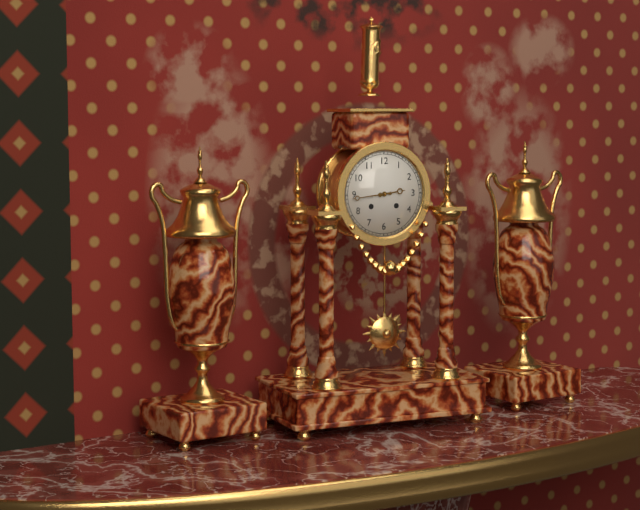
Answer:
2h44
